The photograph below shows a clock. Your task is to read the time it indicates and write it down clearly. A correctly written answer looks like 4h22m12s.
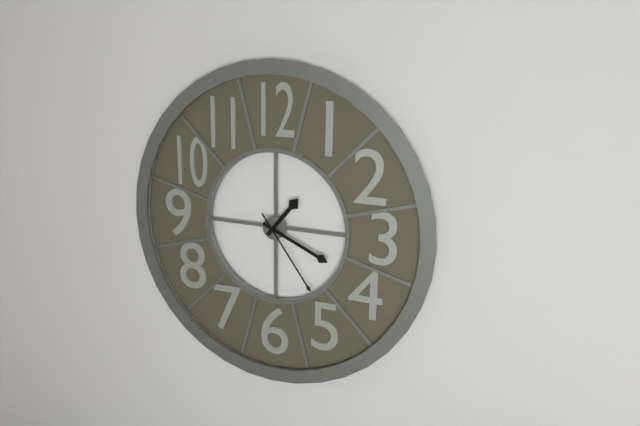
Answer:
1h19m24s
